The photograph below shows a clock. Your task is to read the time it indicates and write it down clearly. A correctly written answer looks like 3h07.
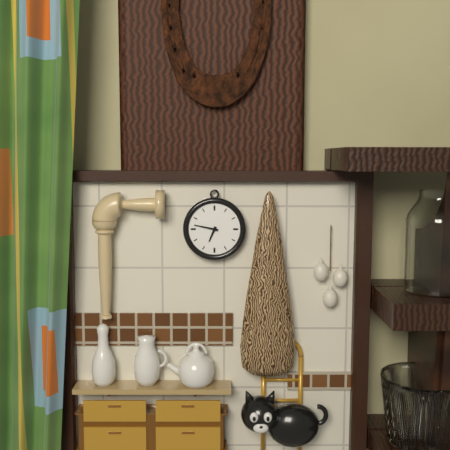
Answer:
6h47
